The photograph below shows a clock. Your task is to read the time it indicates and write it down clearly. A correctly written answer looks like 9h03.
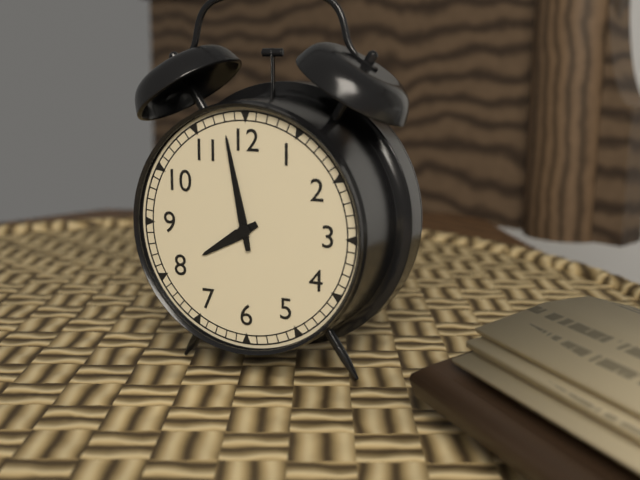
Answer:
7h58
